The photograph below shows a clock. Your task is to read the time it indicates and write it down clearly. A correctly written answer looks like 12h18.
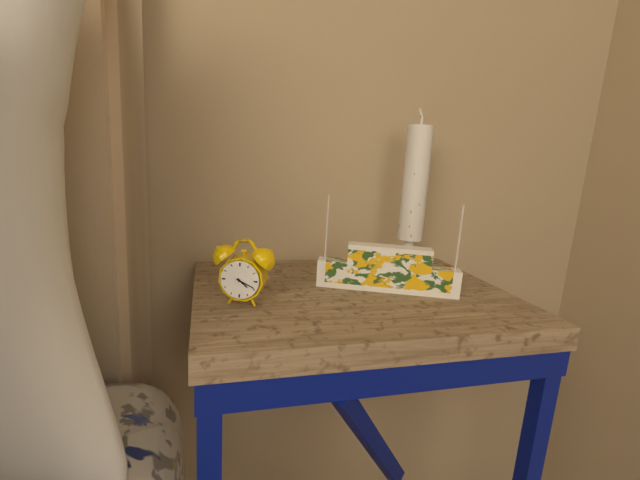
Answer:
4h19
